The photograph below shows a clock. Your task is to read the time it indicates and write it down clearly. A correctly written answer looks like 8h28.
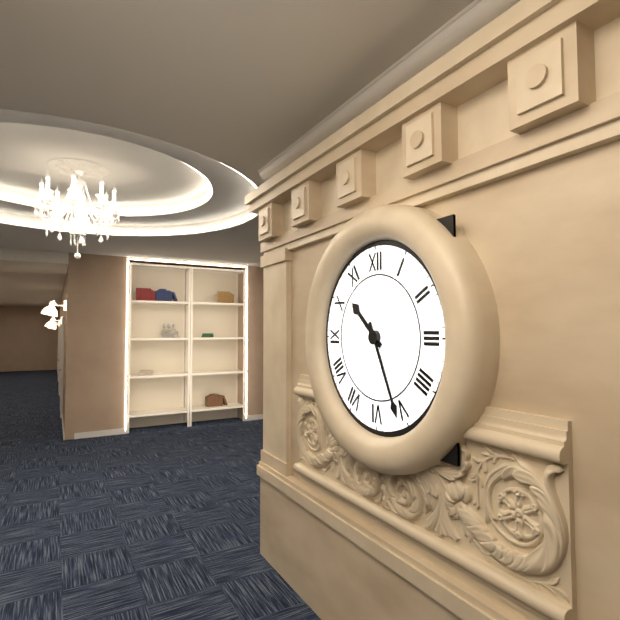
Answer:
10h26
